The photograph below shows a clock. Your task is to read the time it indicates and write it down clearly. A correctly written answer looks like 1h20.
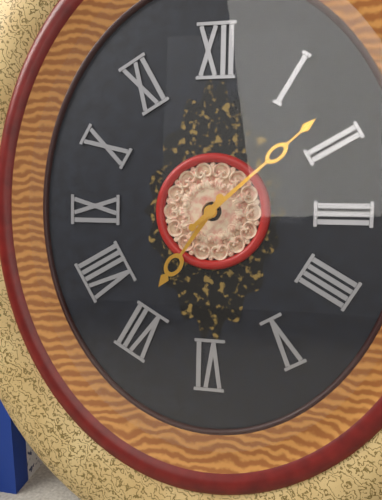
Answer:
7h08
